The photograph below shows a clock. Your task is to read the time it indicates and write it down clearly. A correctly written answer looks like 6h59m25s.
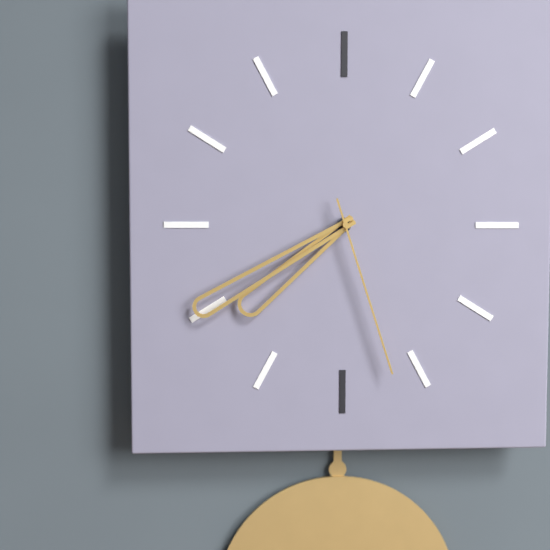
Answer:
7h40m27s
